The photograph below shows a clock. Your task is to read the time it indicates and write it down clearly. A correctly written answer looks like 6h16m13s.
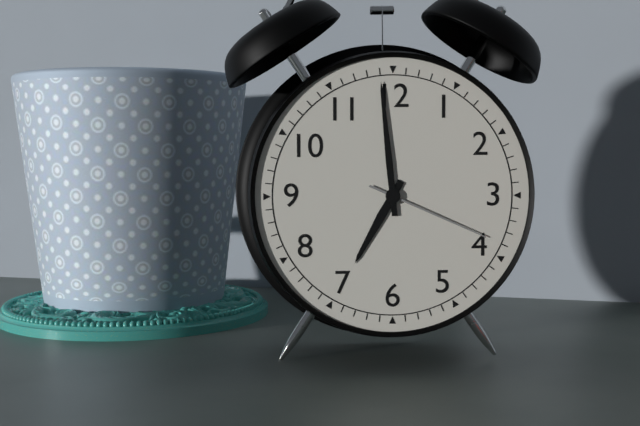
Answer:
6h59m19s
